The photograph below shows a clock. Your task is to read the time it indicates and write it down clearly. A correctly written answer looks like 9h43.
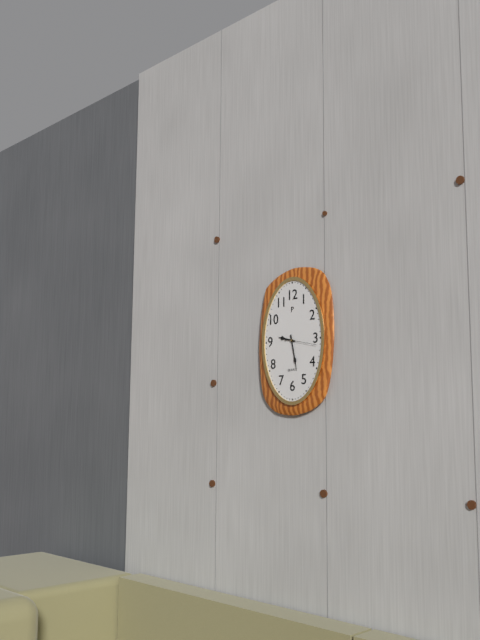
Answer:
9h28
